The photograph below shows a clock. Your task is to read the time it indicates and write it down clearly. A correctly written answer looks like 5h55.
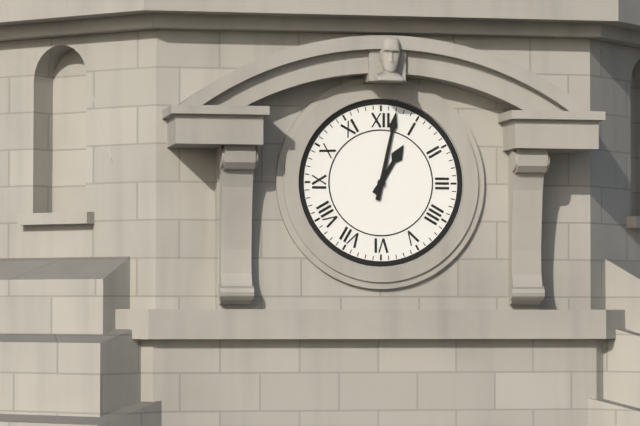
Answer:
1h02
